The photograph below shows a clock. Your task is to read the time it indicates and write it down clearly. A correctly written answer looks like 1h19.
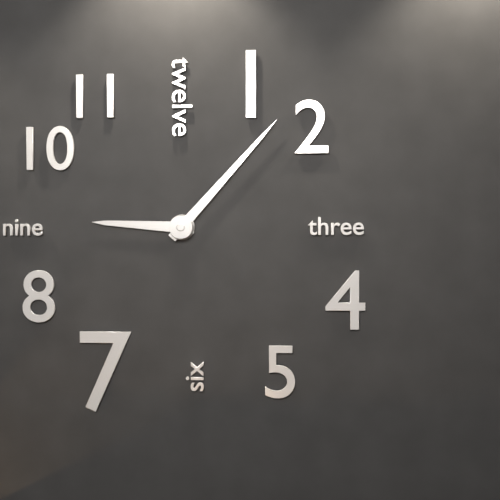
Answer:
9h07
